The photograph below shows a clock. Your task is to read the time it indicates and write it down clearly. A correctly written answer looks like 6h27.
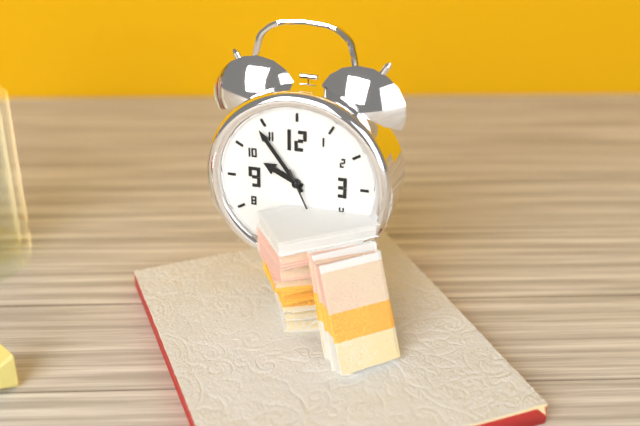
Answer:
9h54
